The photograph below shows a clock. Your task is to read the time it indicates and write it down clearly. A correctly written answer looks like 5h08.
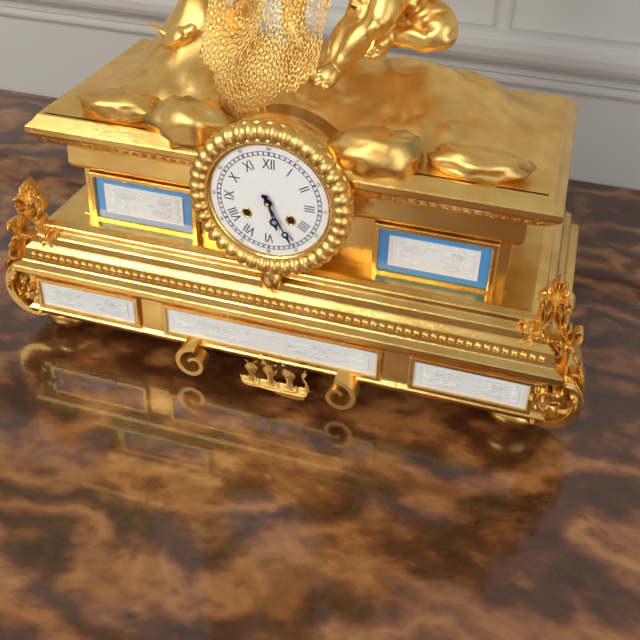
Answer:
5h25
